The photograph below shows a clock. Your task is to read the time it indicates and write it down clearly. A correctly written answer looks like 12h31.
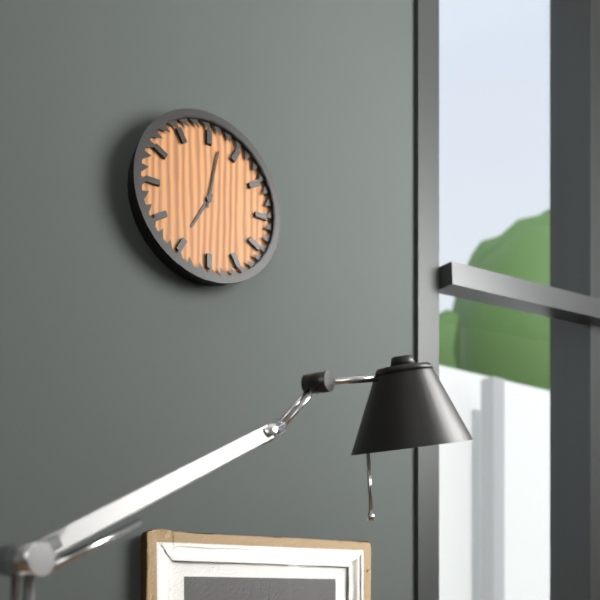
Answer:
7h02
